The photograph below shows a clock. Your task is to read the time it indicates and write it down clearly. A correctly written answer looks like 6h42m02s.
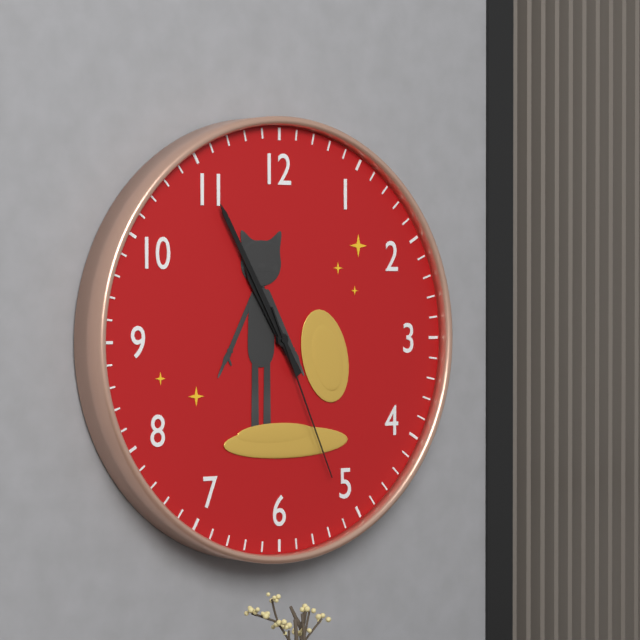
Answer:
10h55m26s
